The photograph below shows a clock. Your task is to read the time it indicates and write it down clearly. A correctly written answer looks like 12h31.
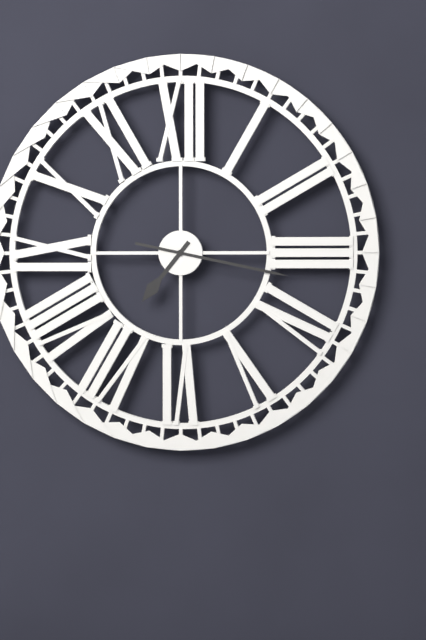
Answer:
7h17
